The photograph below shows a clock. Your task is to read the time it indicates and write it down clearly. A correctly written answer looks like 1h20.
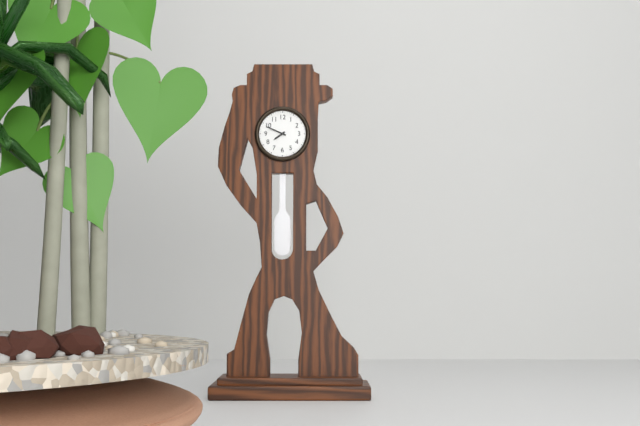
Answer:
7h49
